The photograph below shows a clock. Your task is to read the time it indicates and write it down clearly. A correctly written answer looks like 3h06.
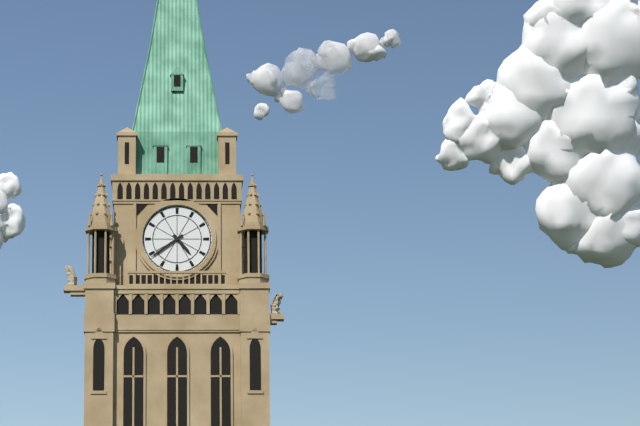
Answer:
4h39
